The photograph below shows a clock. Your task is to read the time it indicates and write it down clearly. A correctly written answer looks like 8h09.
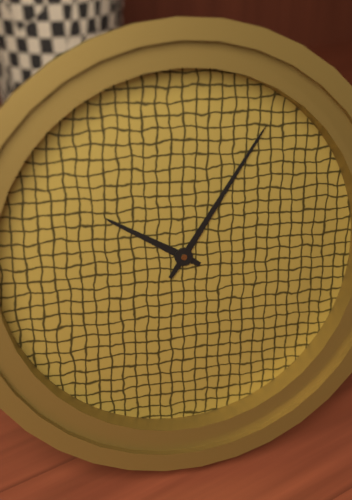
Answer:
10h06
